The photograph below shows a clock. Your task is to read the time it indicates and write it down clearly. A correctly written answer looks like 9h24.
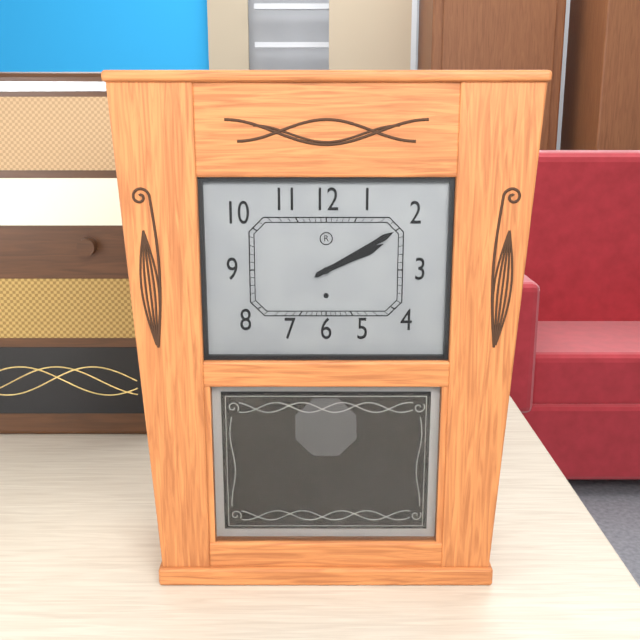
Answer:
2h10
